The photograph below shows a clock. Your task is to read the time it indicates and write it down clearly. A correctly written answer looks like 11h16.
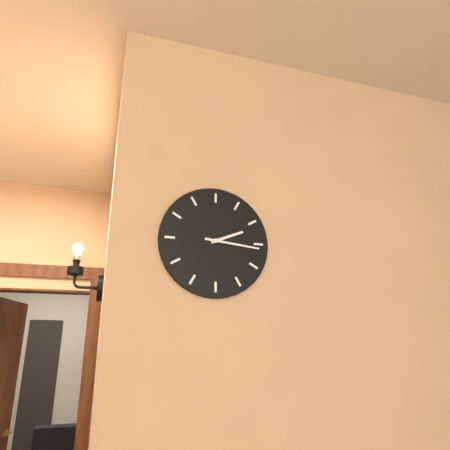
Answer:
2h16
